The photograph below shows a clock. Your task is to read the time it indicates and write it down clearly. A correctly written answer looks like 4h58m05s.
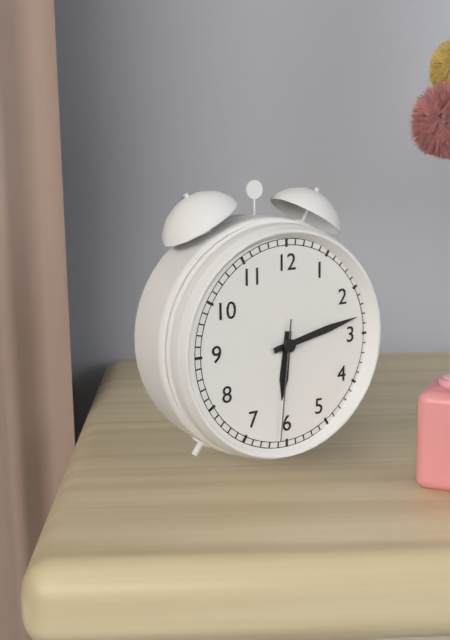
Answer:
6h13m31s
